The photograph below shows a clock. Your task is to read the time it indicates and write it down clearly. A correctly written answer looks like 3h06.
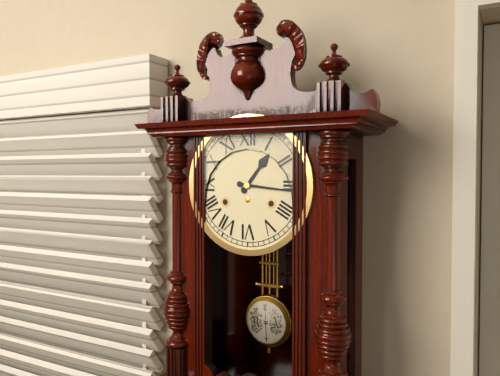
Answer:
1h16
